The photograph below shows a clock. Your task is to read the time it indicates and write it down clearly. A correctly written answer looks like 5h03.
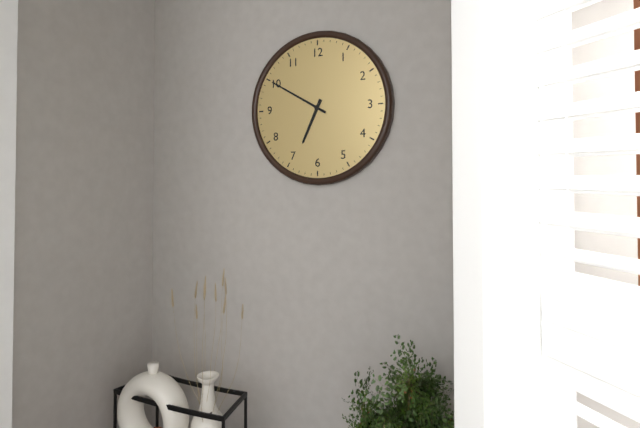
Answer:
6h50
